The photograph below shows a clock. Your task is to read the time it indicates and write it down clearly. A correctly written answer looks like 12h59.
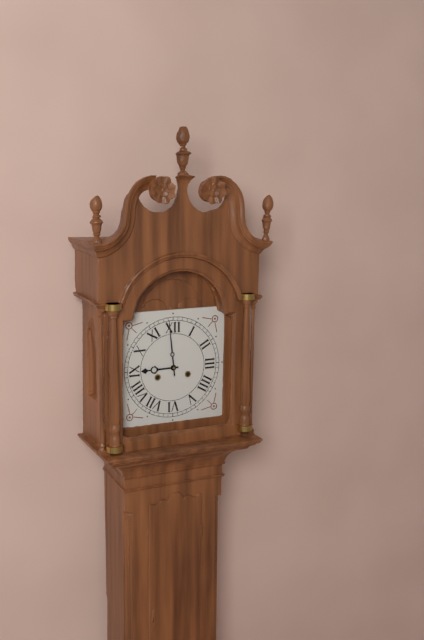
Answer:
8h59
